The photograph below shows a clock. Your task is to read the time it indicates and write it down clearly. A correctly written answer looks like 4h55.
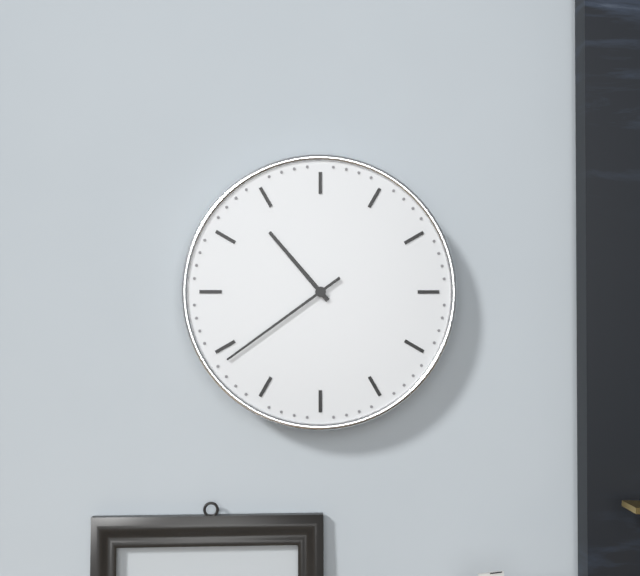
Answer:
10h39
